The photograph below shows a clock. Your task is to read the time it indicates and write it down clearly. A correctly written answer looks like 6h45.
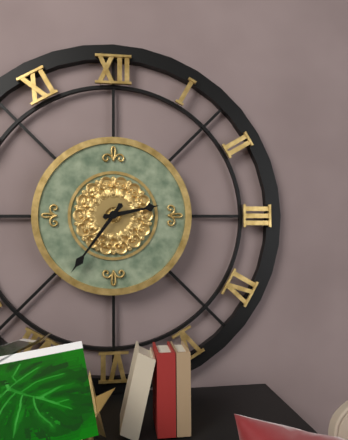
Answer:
2h36
